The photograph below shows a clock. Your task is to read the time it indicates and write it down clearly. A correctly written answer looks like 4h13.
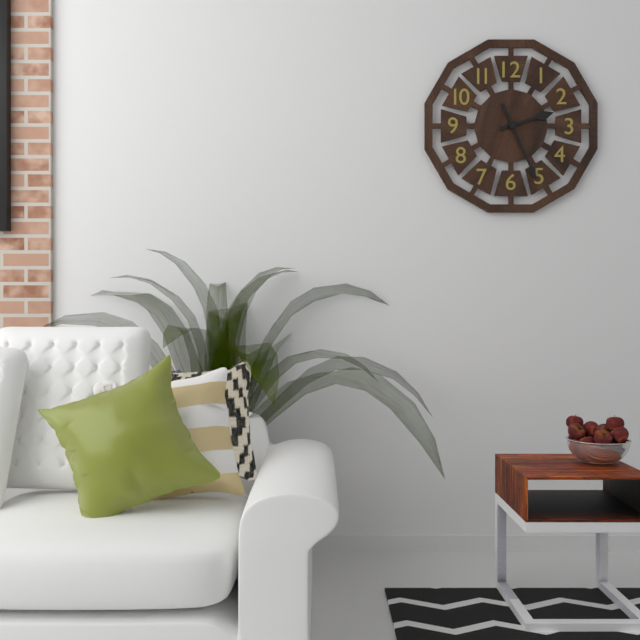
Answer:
2h26
